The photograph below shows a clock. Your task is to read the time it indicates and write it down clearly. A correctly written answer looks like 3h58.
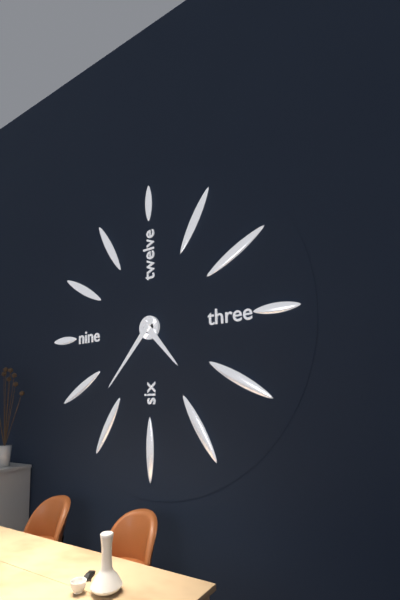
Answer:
4h37
